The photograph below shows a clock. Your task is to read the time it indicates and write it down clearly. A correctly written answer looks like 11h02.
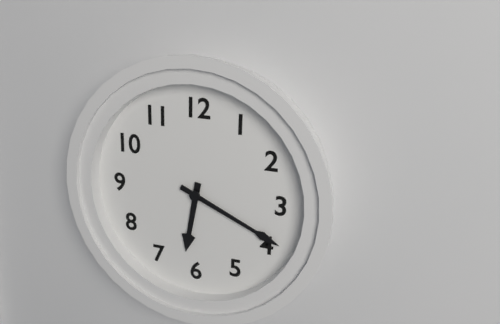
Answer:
6h19
